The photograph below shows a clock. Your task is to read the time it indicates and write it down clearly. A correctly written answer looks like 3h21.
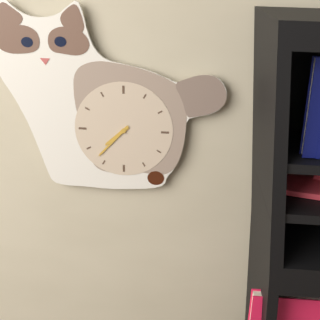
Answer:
7h37
